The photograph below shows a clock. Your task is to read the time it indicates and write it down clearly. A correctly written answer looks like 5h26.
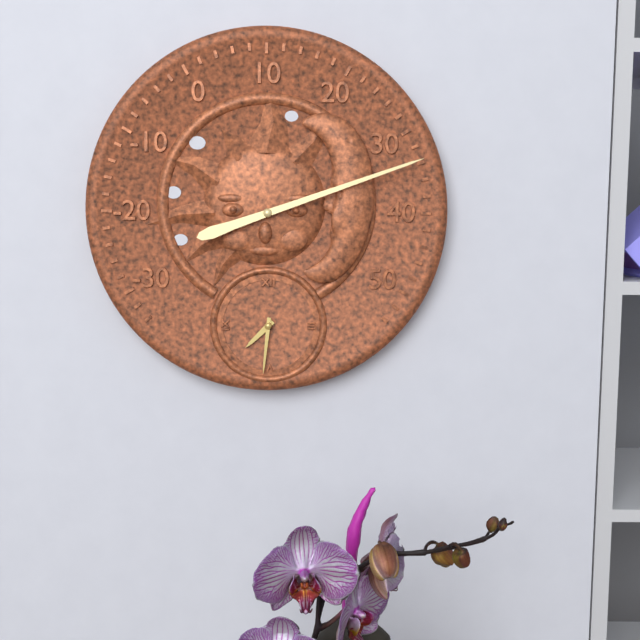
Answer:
7h31
